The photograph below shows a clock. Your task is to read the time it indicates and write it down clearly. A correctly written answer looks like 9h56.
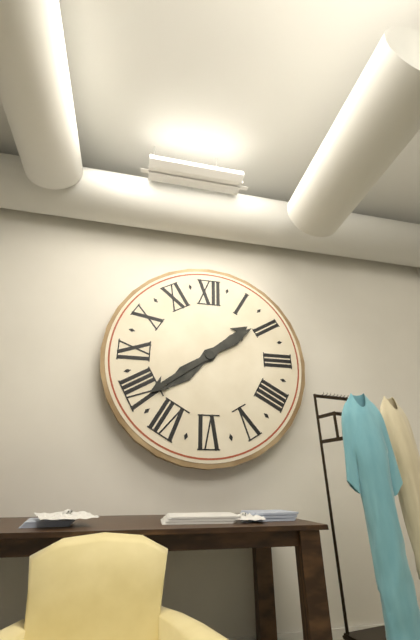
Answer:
1h39
